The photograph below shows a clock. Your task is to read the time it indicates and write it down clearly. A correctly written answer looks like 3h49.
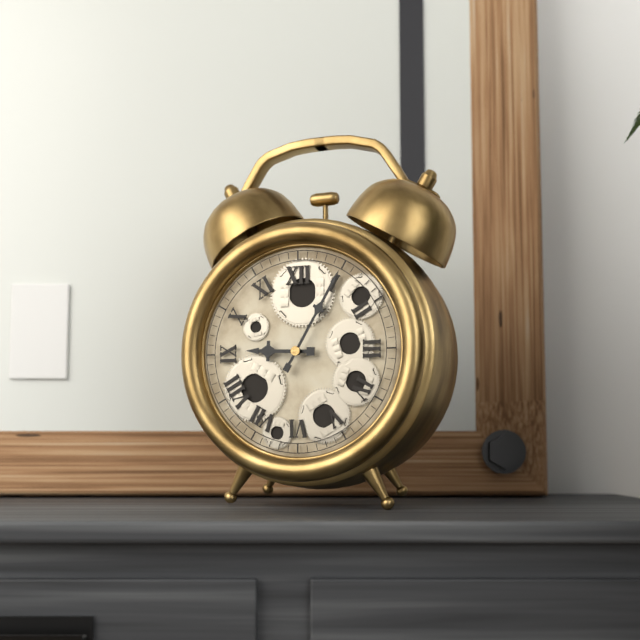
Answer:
9h05
